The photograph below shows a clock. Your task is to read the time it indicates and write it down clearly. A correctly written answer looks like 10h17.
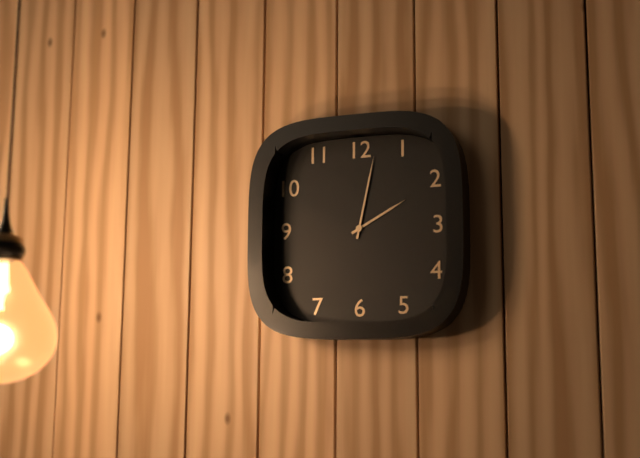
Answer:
2h02
